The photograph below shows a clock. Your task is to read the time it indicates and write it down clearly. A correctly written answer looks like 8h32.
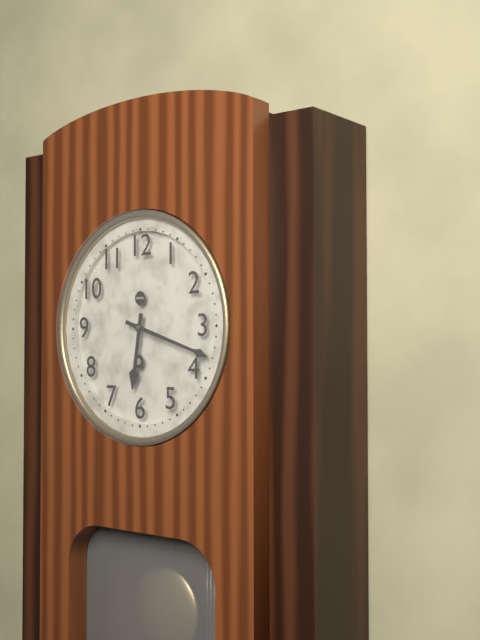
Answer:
6h18
